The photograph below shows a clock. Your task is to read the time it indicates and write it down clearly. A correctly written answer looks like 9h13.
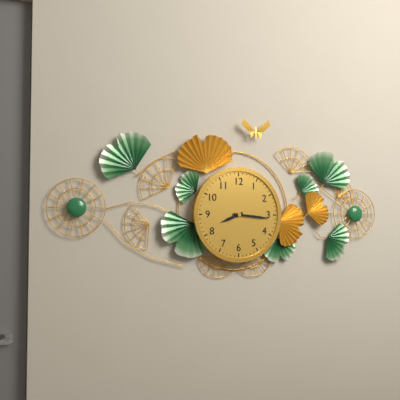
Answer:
8h16
